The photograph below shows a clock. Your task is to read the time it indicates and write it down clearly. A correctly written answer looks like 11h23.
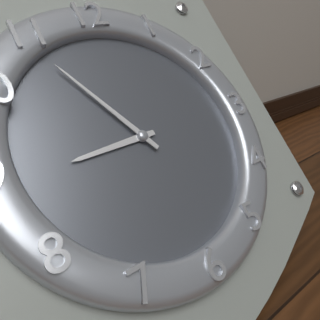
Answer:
8h55
